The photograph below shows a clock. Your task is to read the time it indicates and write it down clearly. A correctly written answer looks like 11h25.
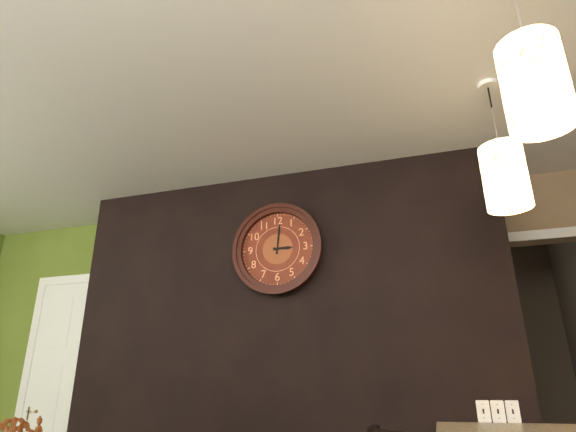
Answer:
3h01
